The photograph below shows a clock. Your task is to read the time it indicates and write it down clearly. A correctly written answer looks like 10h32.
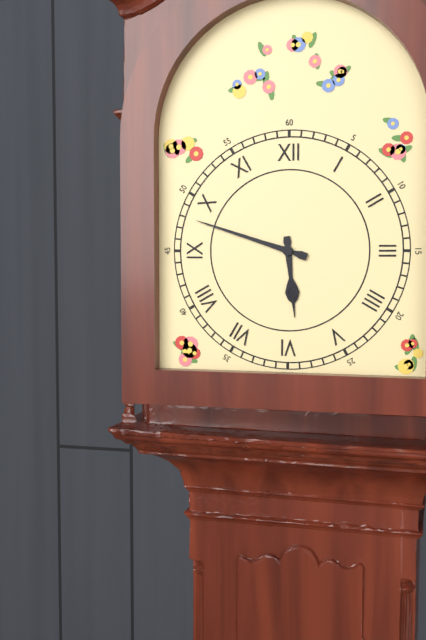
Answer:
5h48
